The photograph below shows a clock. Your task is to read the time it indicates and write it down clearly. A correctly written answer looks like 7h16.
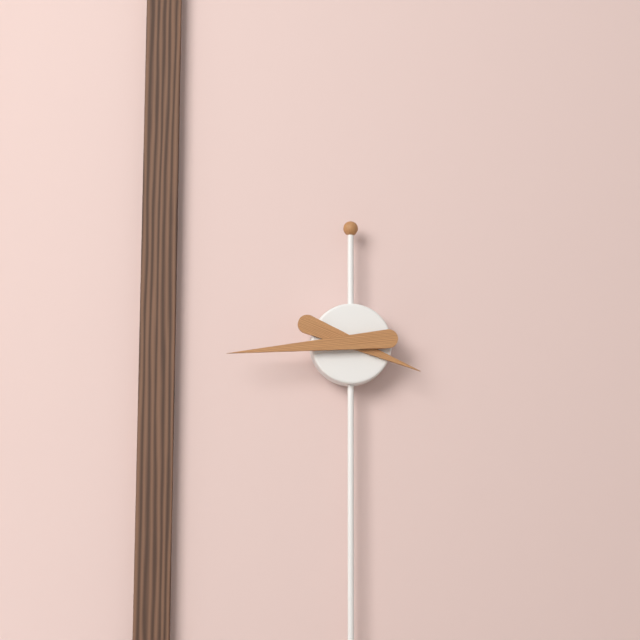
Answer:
3h44
